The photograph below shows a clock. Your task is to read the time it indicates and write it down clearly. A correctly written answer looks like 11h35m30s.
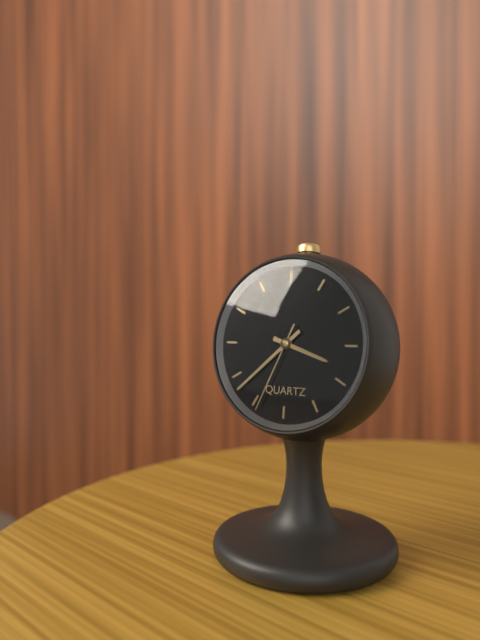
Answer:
3h38m34s
